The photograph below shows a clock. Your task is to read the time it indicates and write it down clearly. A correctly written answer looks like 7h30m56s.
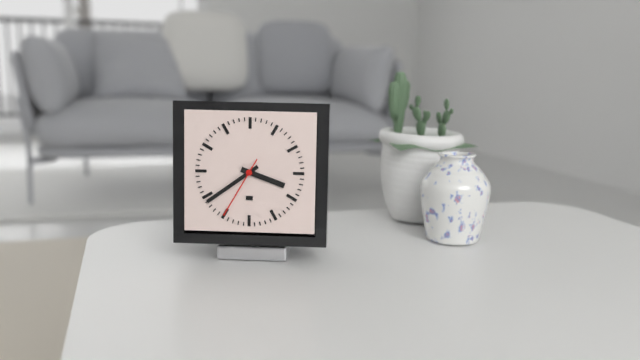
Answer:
3h39m35s
